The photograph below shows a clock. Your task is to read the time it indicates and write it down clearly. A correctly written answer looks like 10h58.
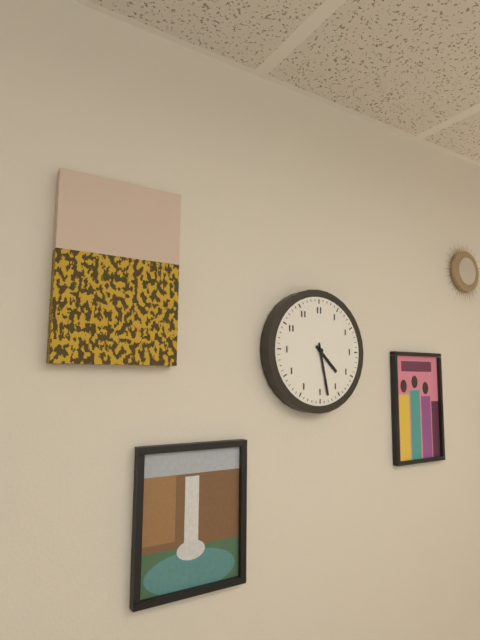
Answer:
4h28
